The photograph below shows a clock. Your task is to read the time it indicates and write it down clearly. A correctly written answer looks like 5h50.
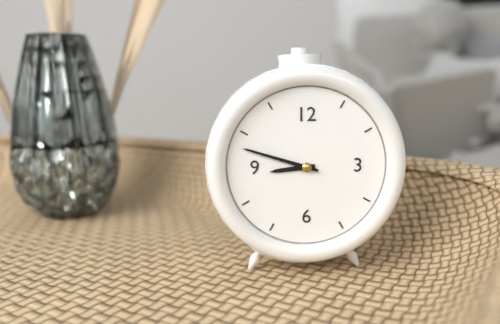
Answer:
8h48
